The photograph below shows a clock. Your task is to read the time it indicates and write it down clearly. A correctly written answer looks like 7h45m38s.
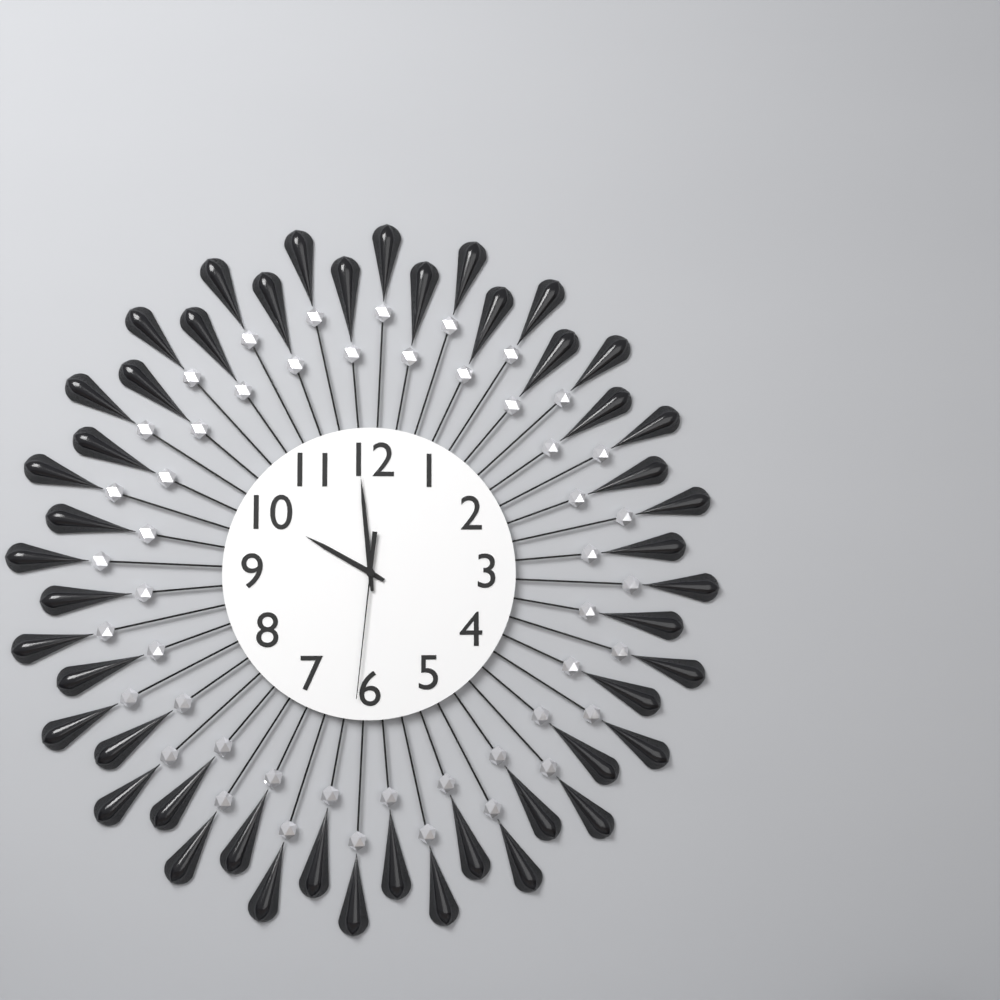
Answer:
9h59m31s
